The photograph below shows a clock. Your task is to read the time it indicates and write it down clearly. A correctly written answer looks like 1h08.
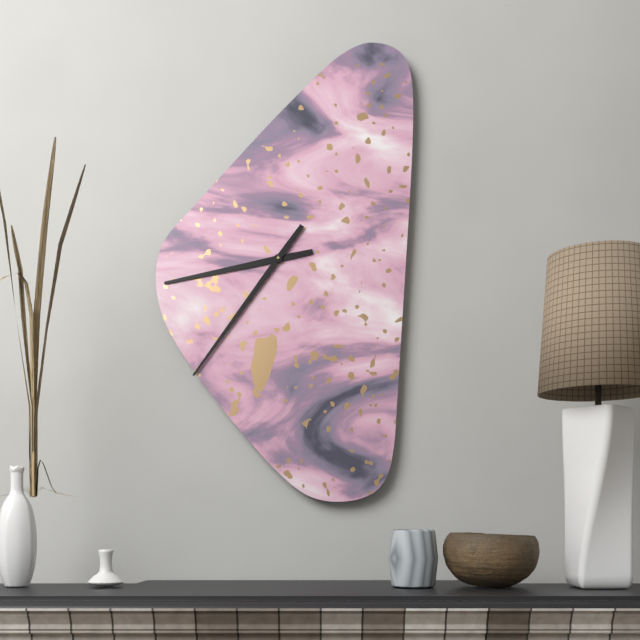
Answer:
8h36
